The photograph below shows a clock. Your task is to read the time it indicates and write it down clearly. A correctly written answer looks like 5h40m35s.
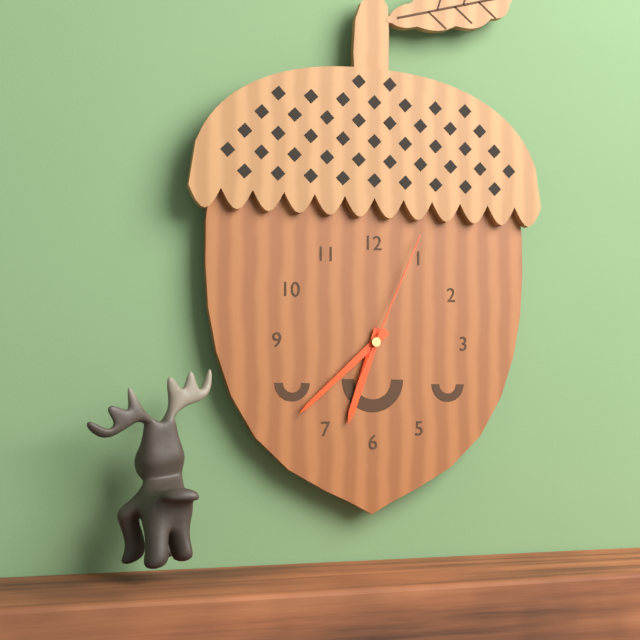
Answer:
6h38m04s
